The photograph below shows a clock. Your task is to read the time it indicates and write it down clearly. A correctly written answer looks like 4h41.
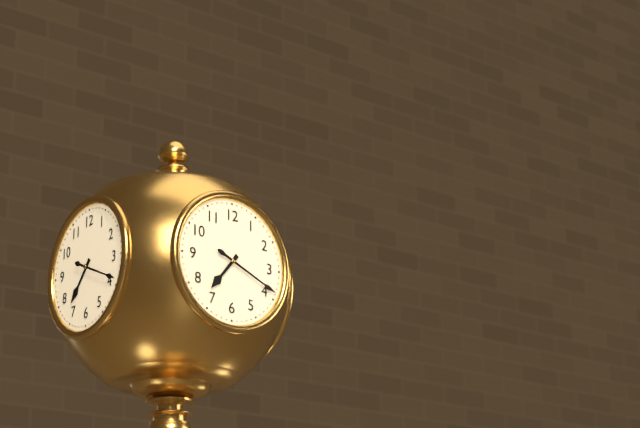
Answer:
7h19
